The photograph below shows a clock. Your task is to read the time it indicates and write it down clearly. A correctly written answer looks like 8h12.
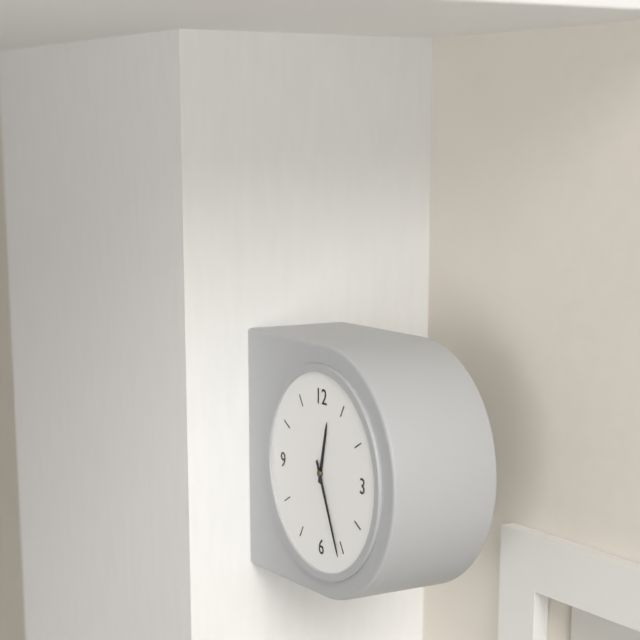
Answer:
12h26
